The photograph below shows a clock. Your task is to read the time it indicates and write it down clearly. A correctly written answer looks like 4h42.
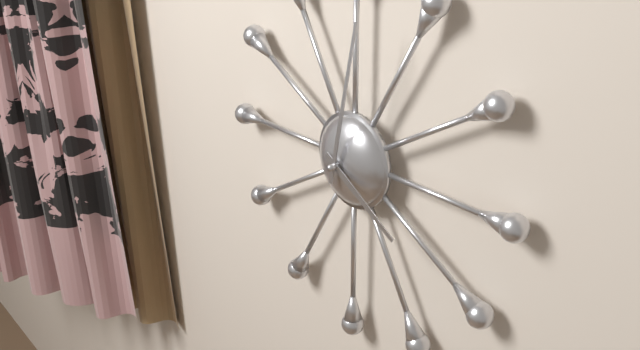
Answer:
4h02
